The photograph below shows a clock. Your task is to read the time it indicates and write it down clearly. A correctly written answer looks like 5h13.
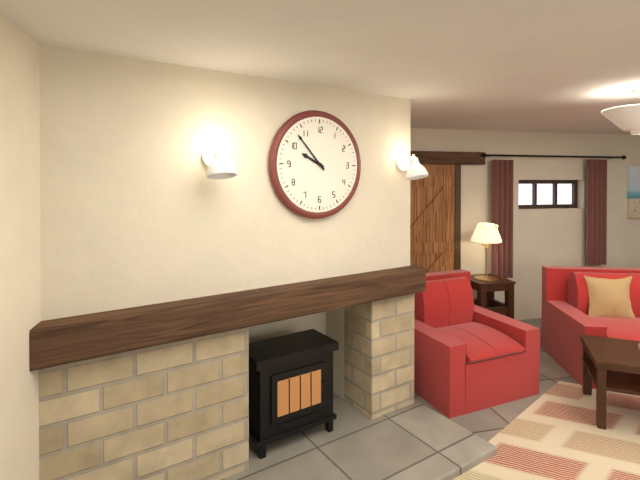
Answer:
9h53
